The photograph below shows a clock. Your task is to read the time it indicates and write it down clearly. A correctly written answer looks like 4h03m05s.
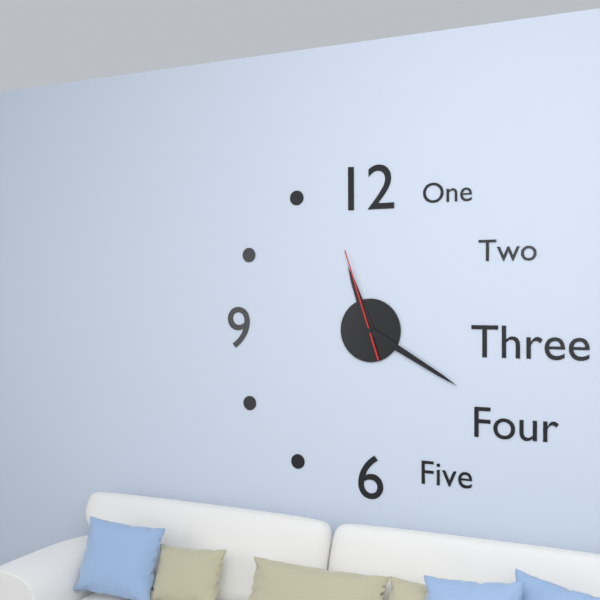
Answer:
11h20m57s
